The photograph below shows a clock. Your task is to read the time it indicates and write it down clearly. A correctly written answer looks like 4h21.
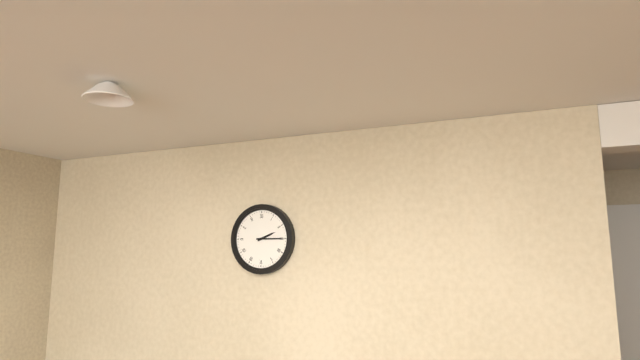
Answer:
2h15
